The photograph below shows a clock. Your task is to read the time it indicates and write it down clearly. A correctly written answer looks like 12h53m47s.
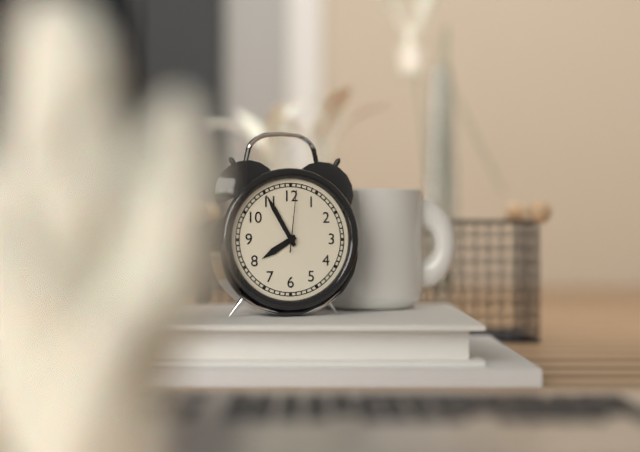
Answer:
7h55m01s
